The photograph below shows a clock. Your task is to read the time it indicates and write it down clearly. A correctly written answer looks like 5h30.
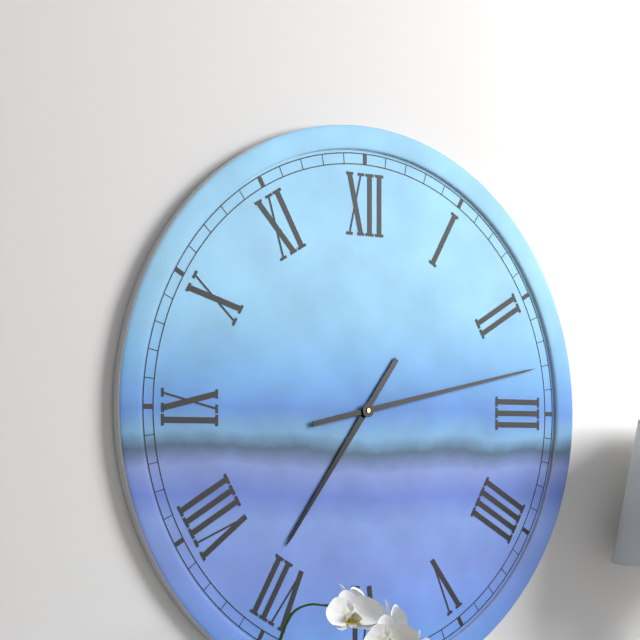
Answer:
7h13
